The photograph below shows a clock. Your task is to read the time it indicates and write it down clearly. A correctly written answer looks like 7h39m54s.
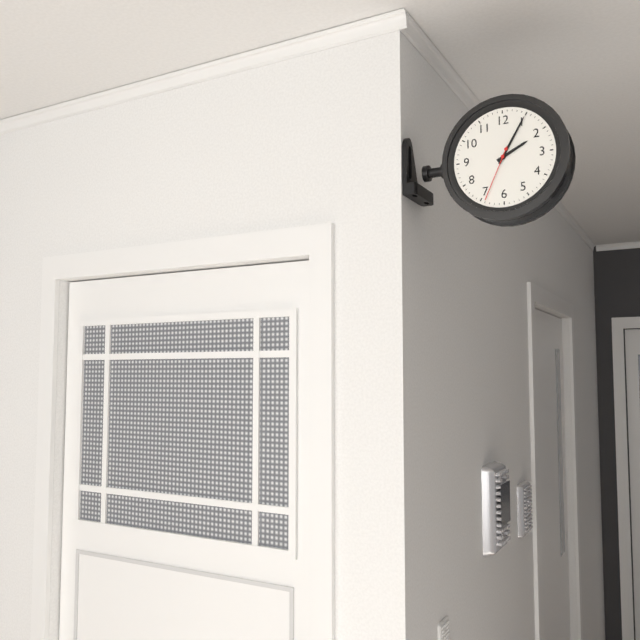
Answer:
2h05m34s
